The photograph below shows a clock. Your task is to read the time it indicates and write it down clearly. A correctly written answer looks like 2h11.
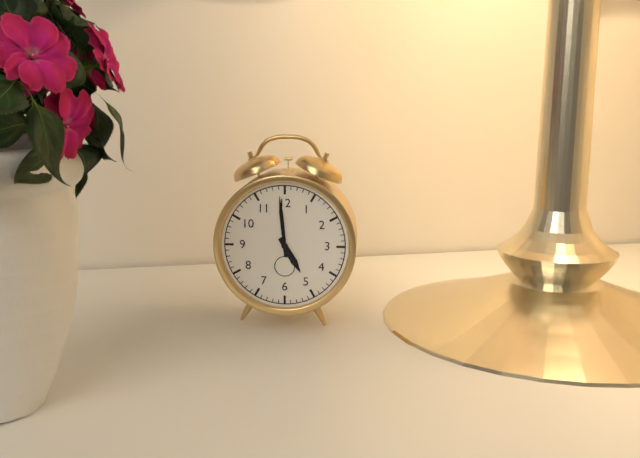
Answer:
4h59
